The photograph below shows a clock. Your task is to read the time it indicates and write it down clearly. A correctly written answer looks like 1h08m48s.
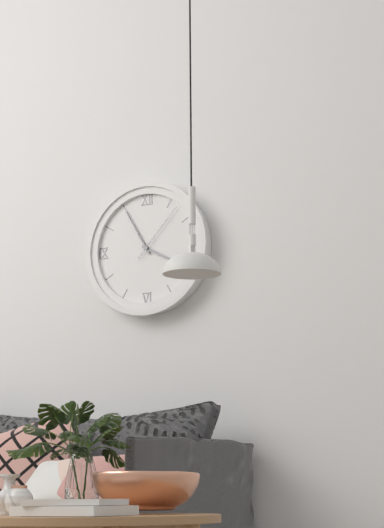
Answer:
3h55m07s
